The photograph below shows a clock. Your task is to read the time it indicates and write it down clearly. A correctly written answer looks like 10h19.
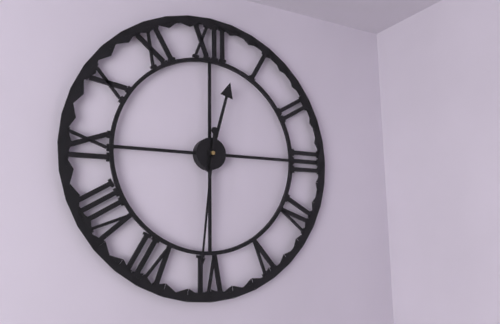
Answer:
12h31
